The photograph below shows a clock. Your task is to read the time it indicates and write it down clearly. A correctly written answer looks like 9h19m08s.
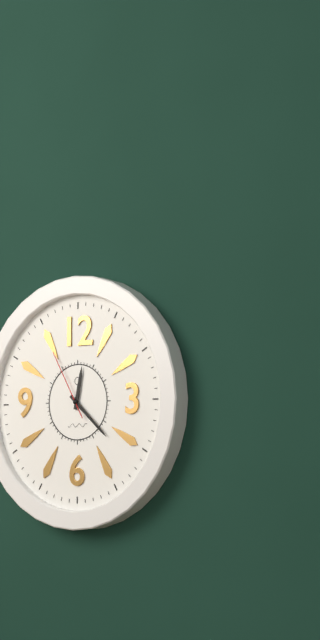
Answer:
12h22m55s
